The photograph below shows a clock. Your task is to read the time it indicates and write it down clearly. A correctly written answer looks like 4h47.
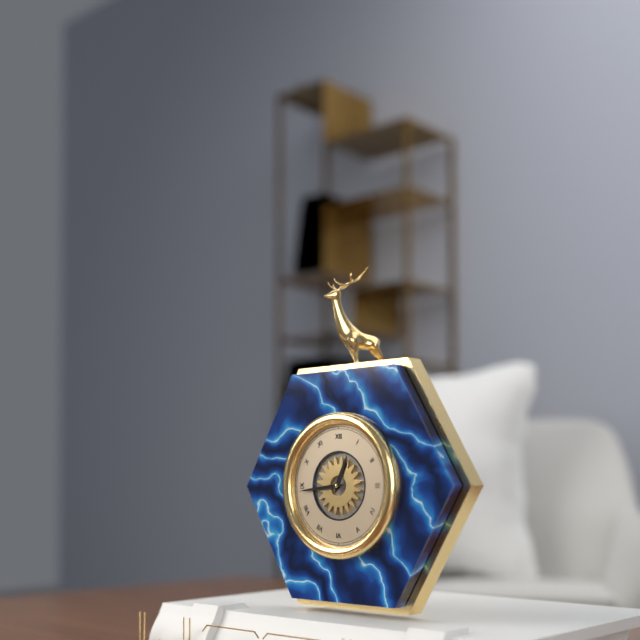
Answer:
12h44
